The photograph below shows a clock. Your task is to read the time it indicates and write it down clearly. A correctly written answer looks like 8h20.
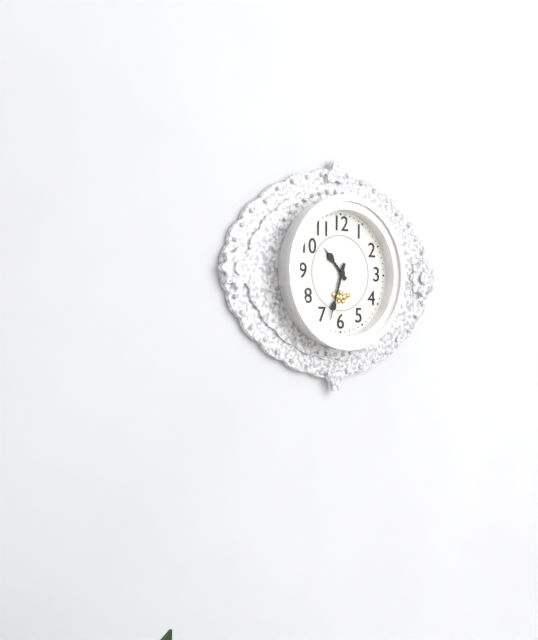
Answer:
10h33
